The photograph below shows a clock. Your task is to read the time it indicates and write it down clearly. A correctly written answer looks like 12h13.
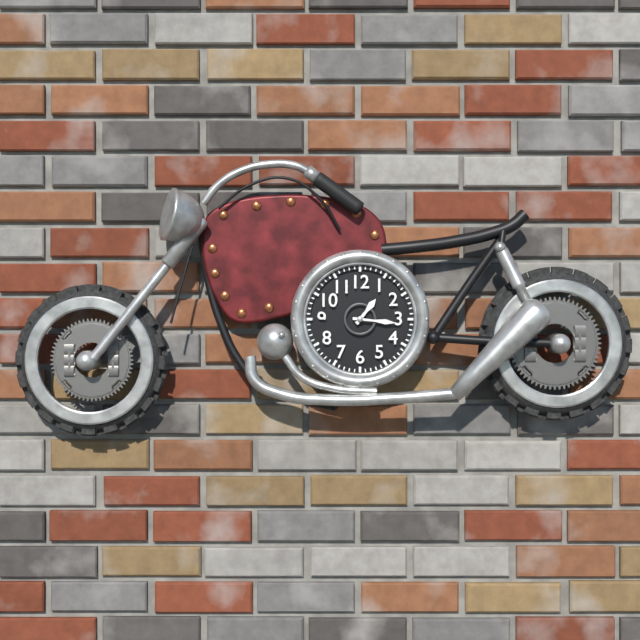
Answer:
1h16
